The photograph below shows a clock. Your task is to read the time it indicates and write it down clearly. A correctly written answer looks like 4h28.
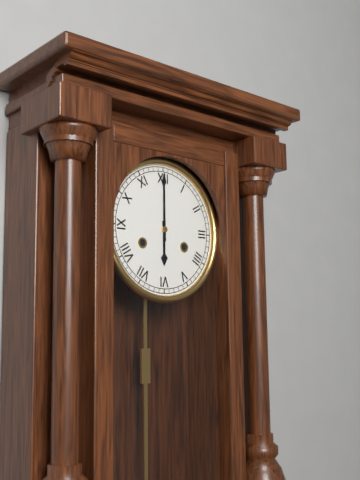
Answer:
6h00
